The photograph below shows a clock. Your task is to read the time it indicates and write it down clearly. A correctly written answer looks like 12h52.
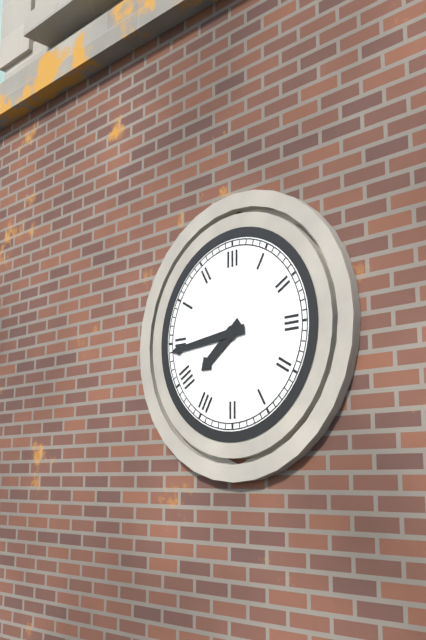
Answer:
7h44
